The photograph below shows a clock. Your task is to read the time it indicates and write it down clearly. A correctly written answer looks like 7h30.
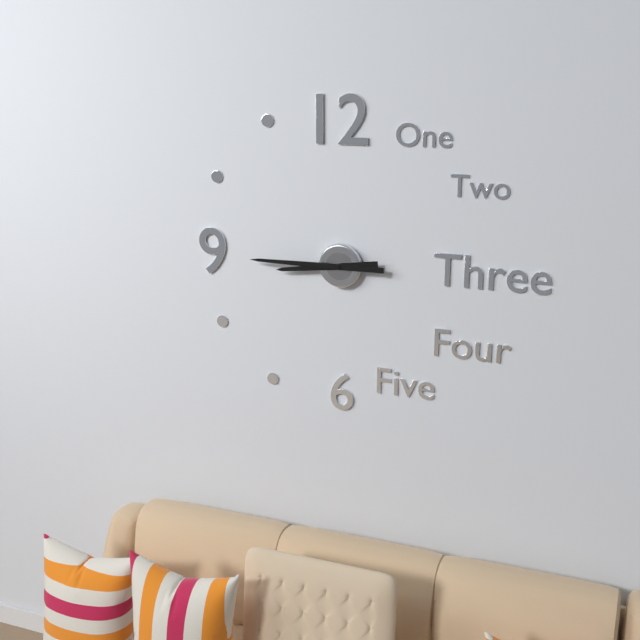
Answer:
8h45
